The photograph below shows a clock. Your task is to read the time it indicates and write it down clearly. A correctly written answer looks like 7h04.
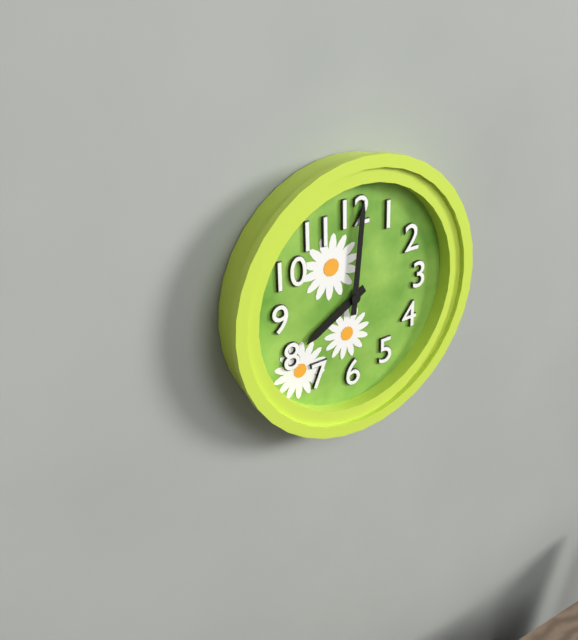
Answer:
8h01
